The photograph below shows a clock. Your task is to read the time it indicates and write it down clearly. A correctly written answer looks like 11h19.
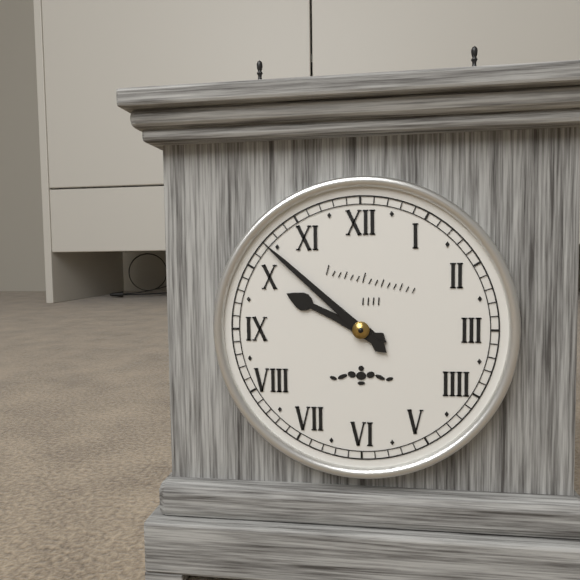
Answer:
9h52
